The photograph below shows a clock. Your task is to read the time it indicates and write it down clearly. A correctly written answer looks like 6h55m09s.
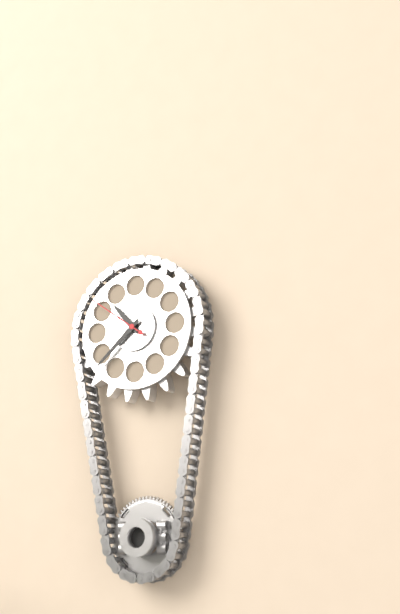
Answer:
10h38m51s
